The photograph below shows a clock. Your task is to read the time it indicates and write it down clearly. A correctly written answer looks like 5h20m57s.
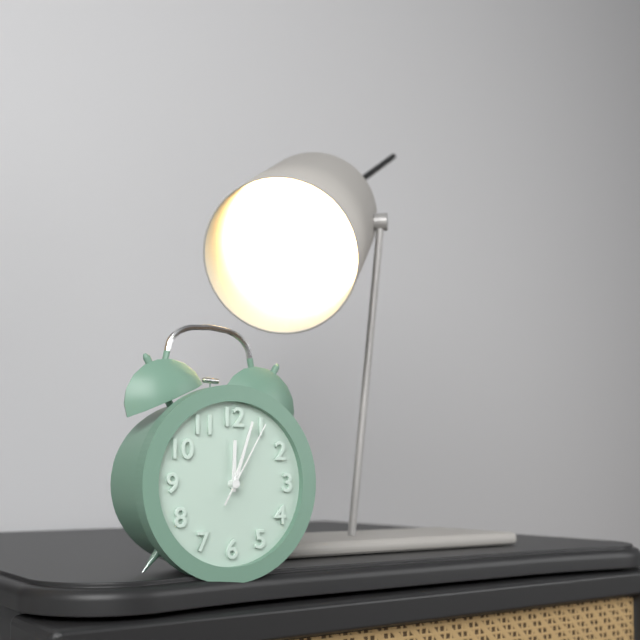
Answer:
12h03m05s
